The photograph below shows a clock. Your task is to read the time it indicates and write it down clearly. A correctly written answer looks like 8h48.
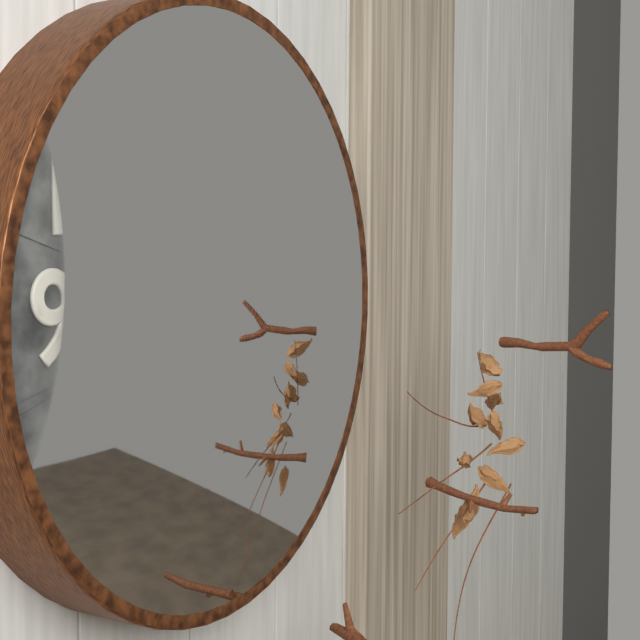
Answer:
8h09
